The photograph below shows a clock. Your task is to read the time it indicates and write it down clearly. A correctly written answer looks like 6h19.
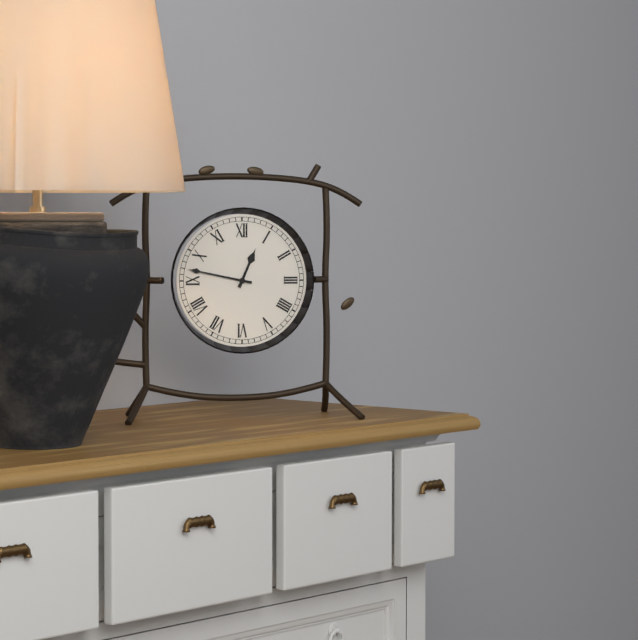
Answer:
12h47
